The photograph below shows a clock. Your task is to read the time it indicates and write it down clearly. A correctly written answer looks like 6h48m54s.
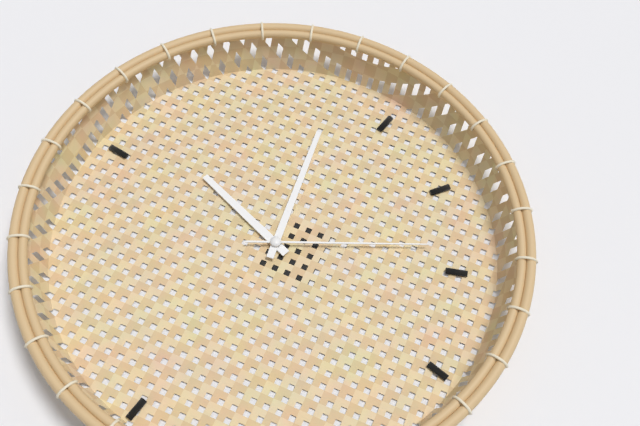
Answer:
6h44m56s
